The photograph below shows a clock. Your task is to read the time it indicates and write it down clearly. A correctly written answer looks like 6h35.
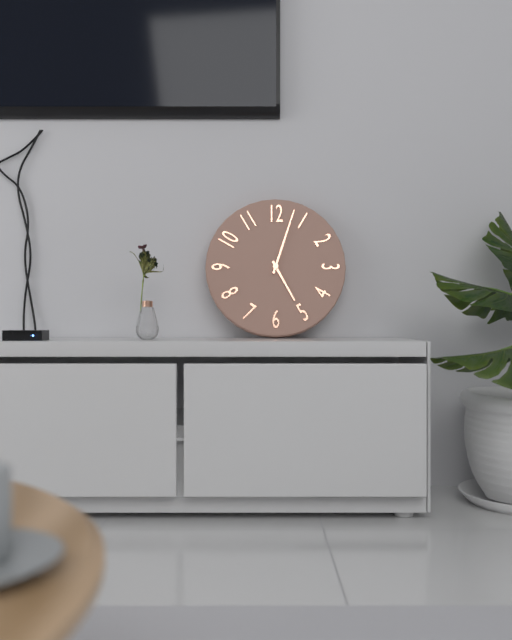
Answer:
5h03
